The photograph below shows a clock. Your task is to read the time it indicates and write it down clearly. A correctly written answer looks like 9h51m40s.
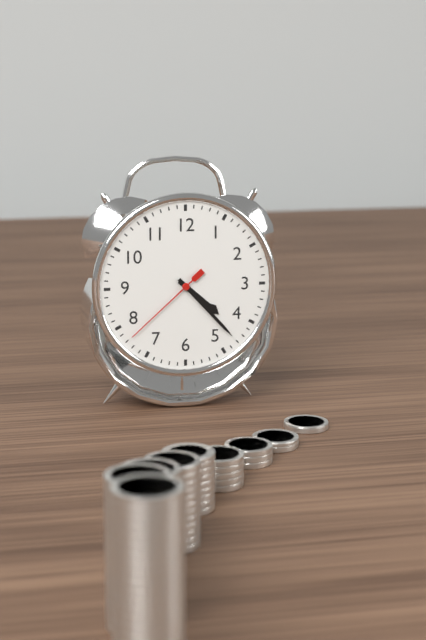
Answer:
4h23m38s
